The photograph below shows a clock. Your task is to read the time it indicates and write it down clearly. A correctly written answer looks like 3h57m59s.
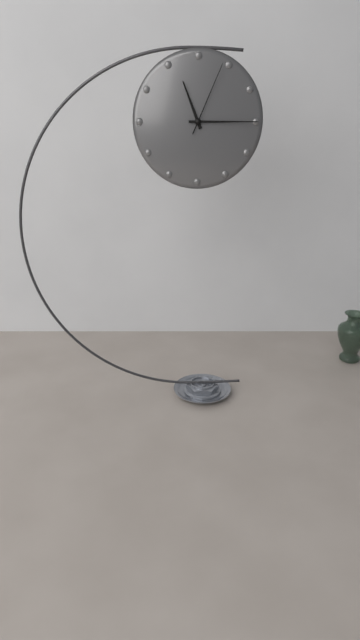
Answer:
11h15m04s
